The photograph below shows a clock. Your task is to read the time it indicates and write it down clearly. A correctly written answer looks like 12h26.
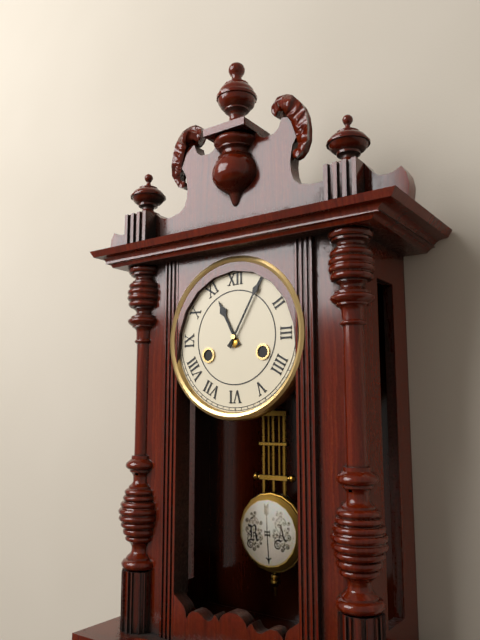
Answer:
11h05
